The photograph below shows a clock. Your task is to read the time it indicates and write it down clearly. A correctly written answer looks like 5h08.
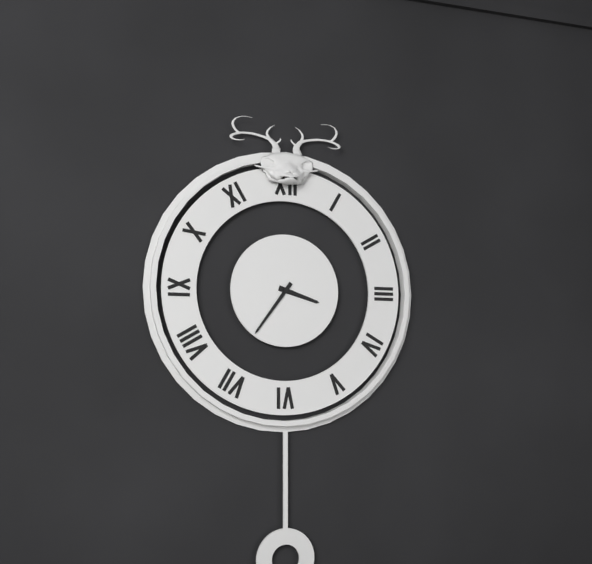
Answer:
3h36
